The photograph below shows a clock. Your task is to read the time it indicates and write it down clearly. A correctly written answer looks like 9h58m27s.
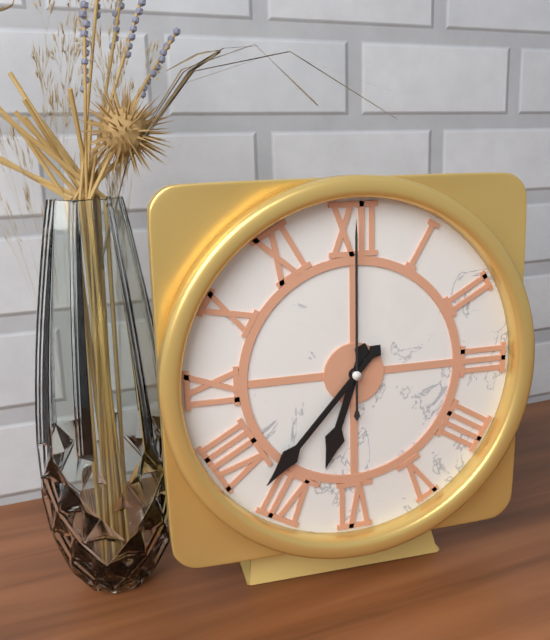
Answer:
6h37m00s
